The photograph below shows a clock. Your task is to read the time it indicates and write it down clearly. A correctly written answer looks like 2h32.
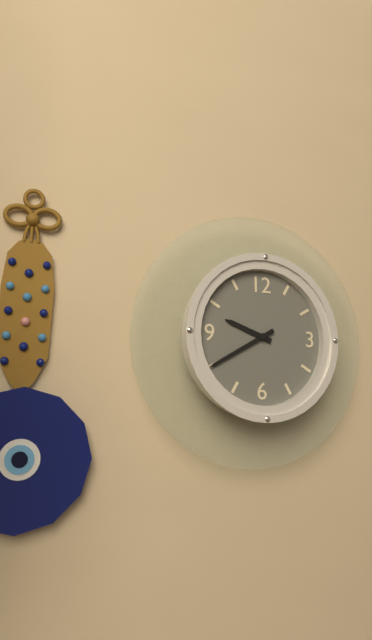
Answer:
9h40
